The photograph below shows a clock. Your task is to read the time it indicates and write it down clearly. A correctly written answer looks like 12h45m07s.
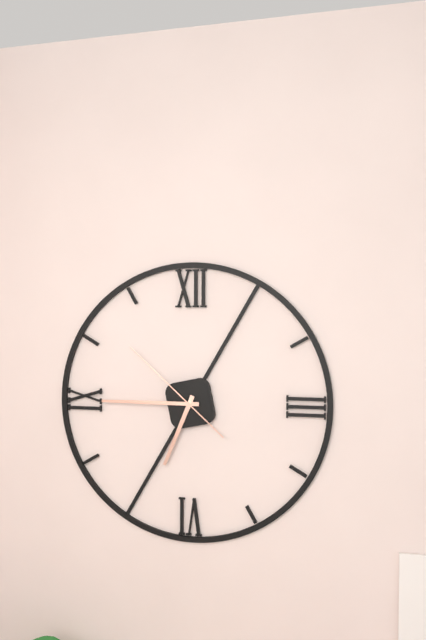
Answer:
6h45m52s
